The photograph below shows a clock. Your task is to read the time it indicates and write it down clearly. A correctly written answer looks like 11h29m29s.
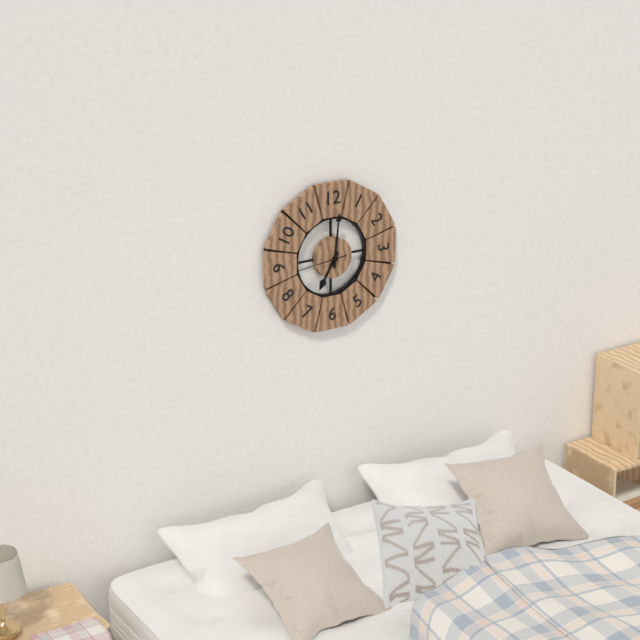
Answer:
7h01m44s
